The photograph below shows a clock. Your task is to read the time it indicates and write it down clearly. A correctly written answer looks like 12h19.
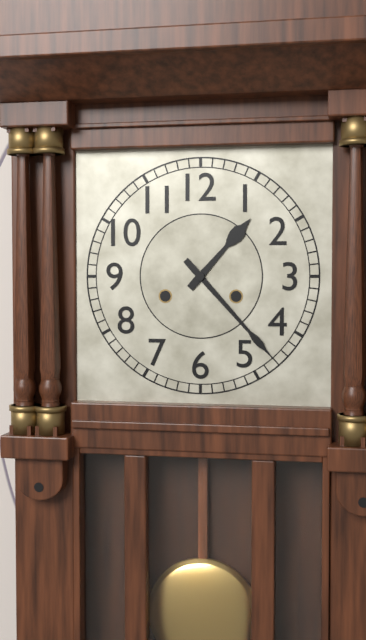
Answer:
1h23
